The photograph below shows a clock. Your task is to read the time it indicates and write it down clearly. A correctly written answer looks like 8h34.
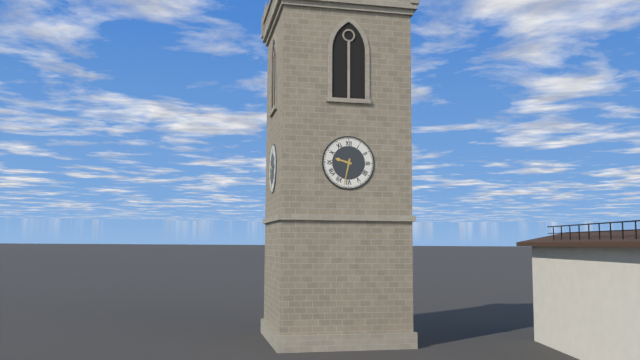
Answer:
9h32
